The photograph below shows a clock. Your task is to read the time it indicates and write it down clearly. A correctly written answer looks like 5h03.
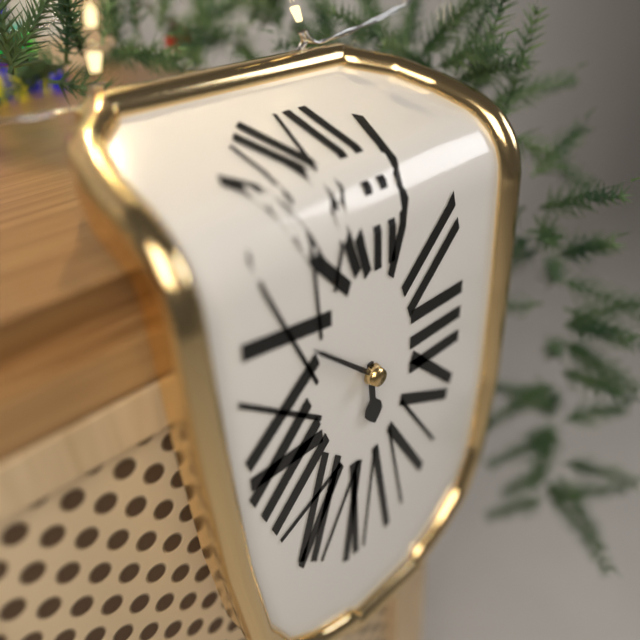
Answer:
5h52
